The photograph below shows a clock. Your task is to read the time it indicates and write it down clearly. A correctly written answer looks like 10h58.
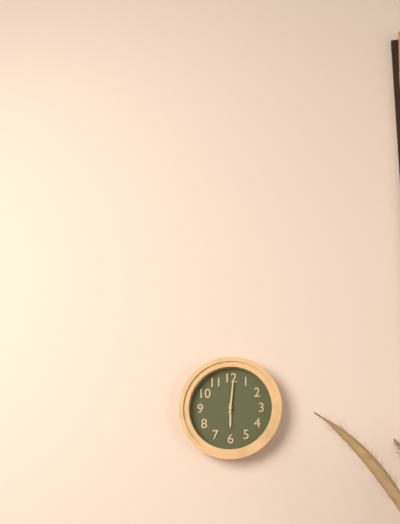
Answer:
6h01
